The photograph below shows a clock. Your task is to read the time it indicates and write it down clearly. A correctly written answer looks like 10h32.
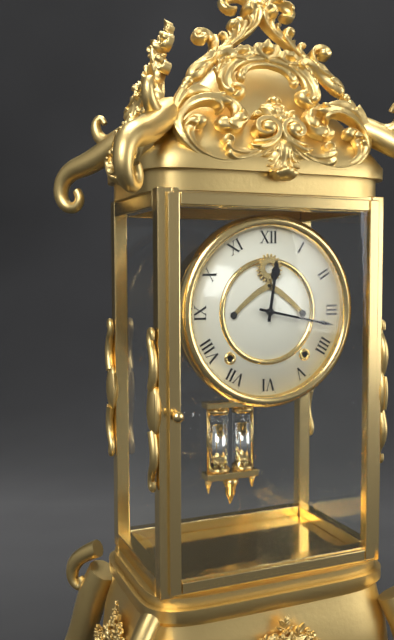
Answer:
12h17
